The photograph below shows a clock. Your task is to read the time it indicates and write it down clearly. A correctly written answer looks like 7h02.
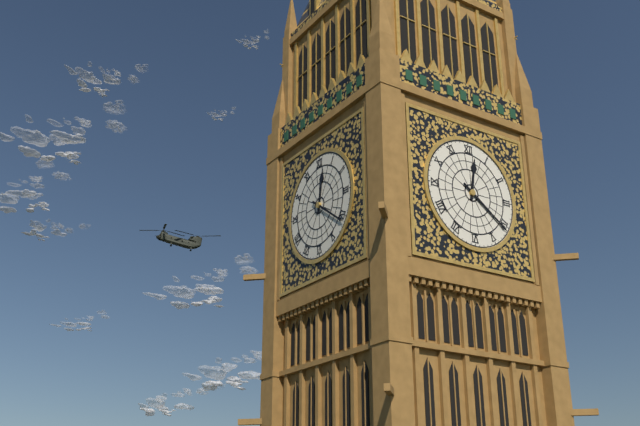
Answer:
12h21
